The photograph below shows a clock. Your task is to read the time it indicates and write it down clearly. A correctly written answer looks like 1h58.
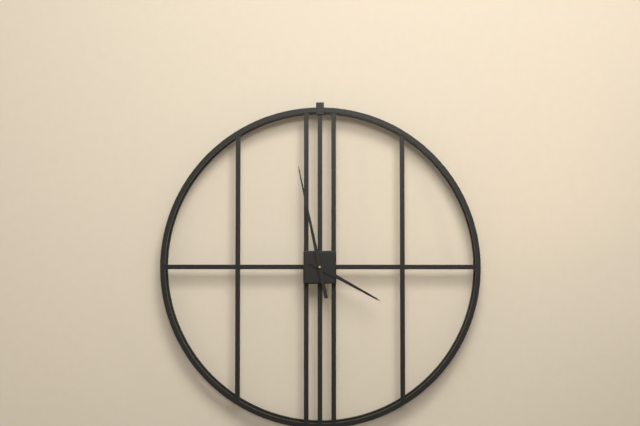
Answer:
3h58
